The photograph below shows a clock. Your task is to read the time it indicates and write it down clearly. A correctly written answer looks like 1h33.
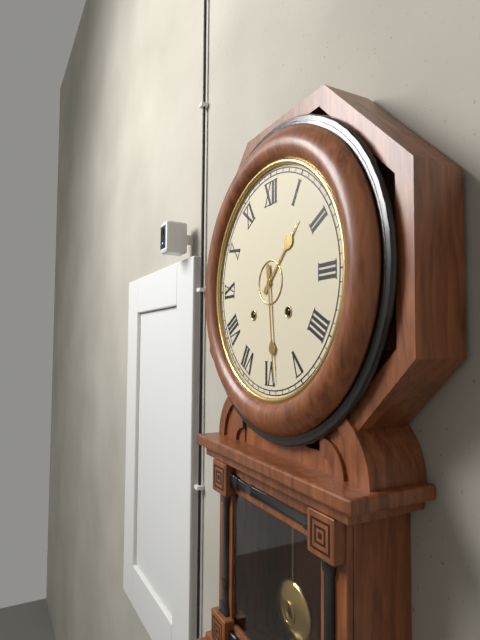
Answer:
1h29
